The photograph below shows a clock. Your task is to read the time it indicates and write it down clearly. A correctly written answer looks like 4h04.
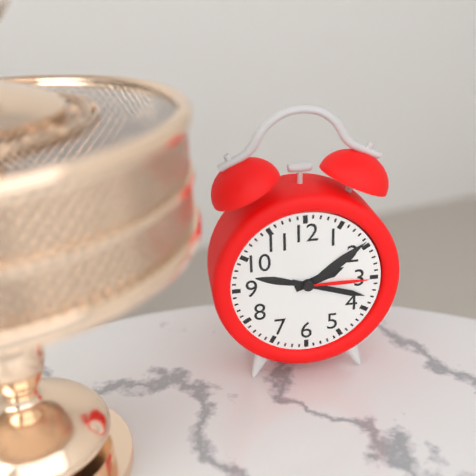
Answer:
2h18
